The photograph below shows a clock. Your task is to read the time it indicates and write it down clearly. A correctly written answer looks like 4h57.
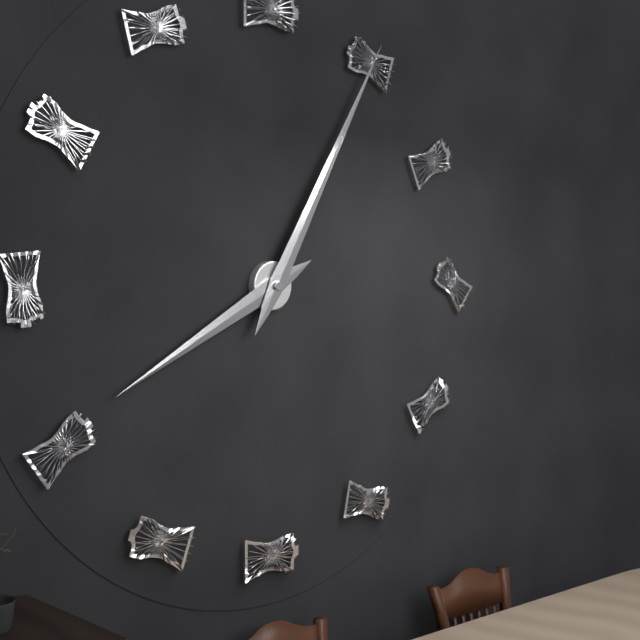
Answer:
8h05
